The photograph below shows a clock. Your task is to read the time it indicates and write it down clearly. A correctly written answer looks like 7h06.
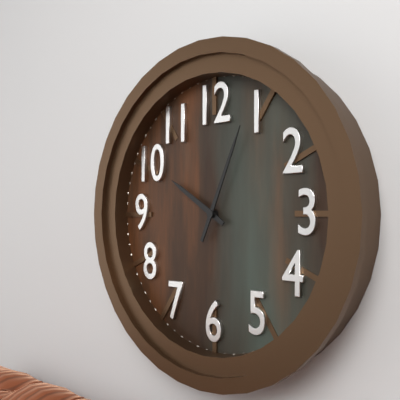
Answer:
10h04
